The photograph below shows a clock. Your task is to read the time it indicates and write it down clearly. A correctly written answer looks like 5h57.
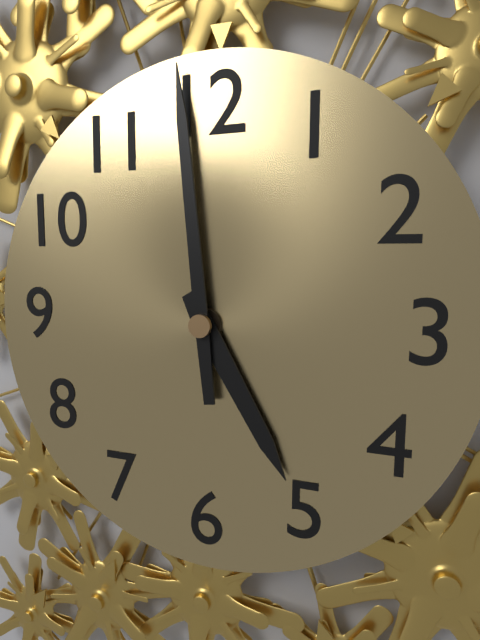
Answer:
4h59
